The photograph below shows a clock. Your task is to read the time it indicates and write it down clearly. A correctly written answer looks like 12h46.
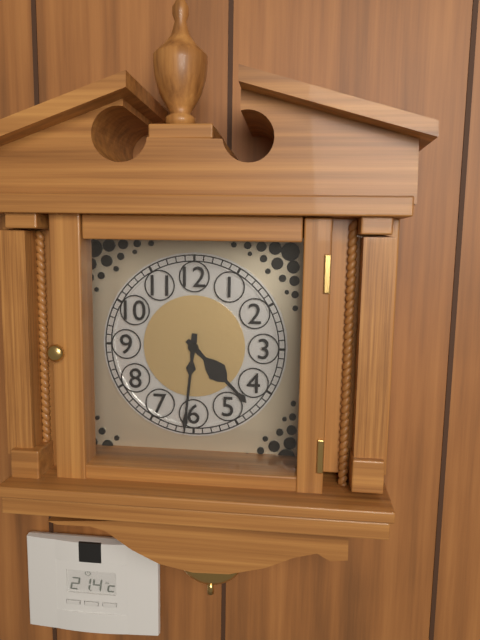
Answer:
4h31
